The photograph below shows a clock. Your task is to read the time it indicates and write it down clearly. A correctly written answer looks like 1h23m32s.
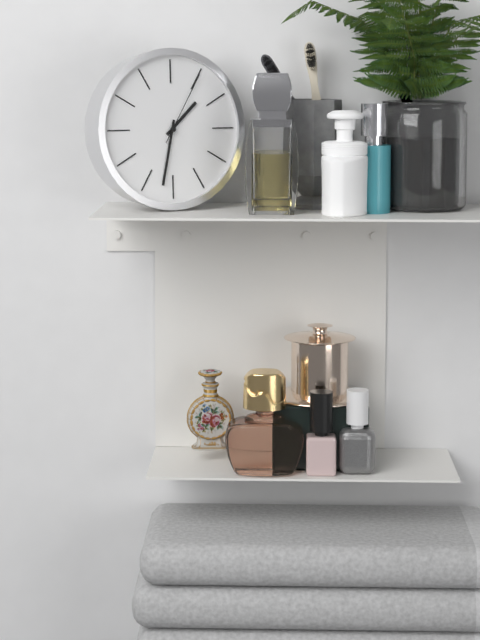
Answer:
1h32m05s
